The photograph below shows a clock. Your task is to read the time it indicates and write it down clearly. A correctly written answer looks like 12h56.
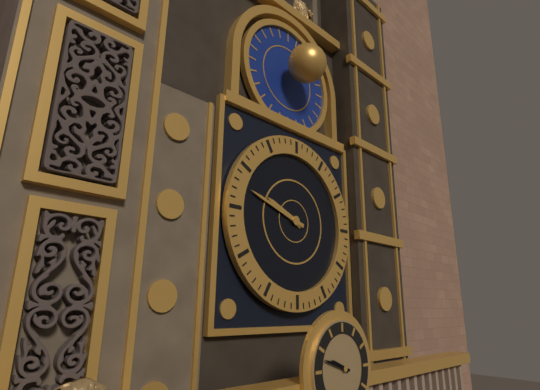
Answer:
9h48
